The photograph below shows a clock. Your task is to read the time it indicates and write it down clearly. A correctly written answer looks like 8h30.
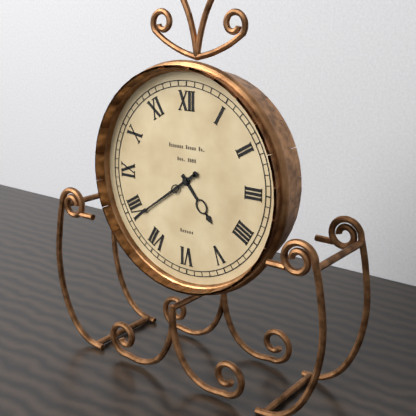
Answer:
4h39
